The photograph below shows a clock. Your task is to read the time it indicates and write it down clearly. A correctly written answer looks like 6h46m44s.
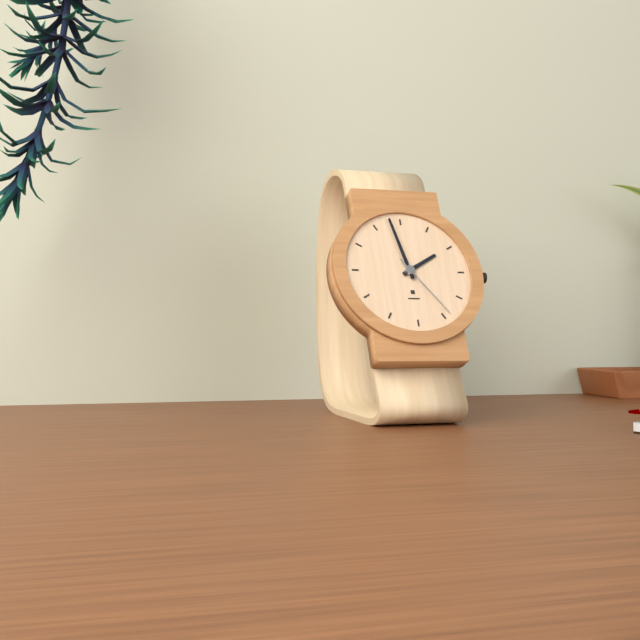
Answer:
1h58m24s
